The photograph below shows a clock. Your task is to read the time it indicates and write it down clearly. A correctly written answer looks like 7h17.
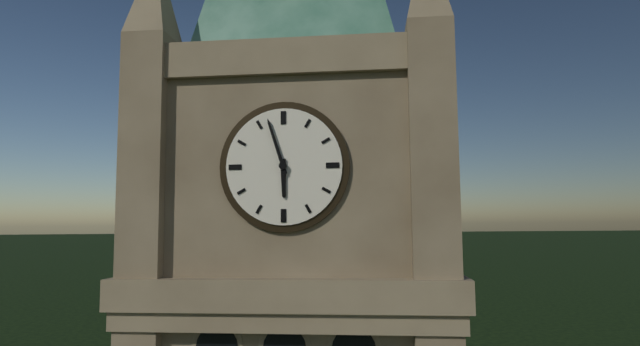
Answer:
5h57
